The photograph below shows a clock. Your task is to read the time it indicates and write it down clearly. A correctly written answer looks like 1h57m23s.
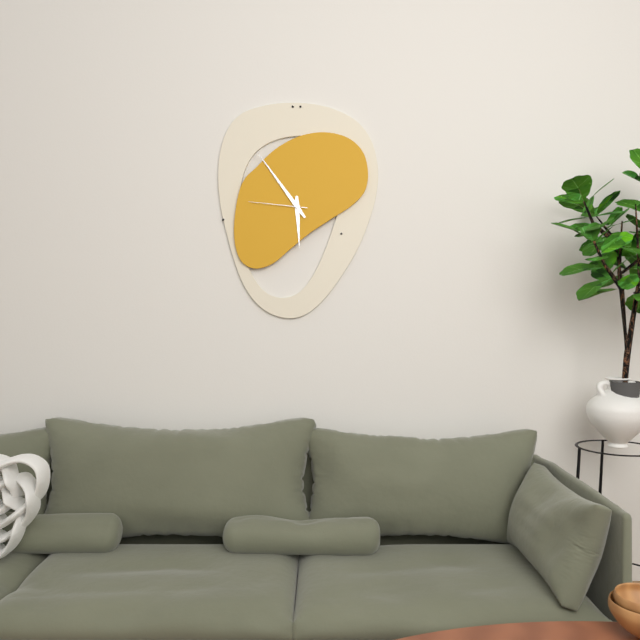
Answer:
5h54m46s
